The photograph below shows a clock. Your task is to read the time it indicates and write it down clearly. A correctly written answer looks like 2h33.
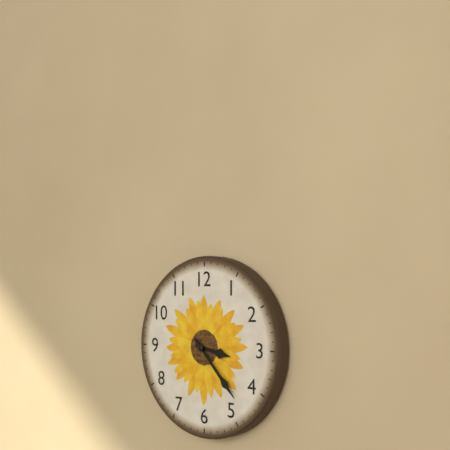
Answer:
3h23
